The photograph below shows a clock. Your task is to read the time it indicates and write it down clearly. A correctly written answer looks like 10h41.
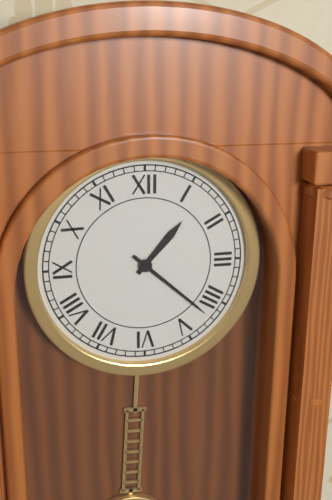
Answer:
1h22
